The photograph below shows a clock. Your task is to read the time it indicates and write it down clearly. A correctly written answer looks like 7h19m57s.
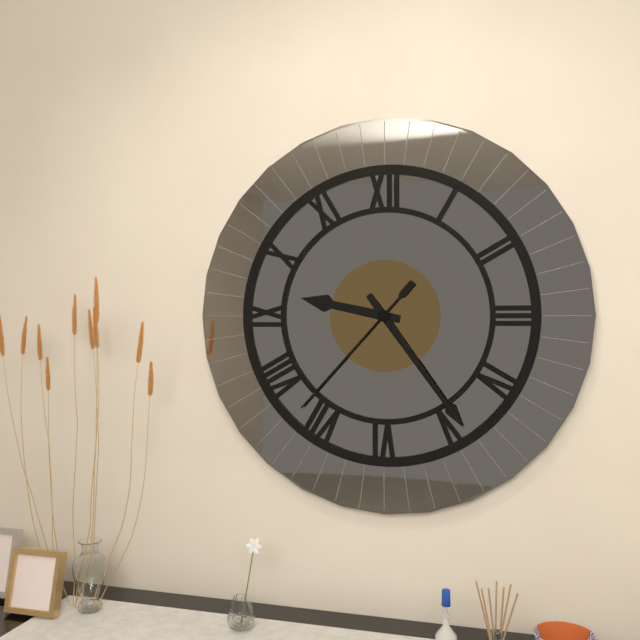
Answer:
9h24m37s
